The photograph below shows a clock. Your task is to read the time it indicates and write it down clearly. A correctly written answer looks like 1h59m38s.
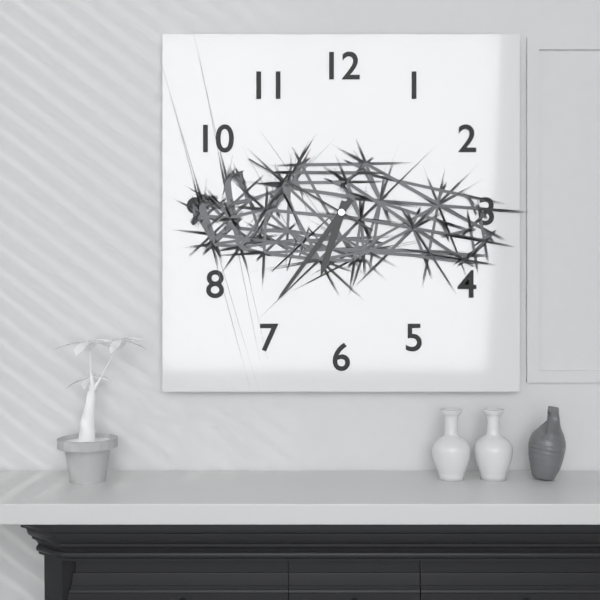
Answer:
6h36m50s
